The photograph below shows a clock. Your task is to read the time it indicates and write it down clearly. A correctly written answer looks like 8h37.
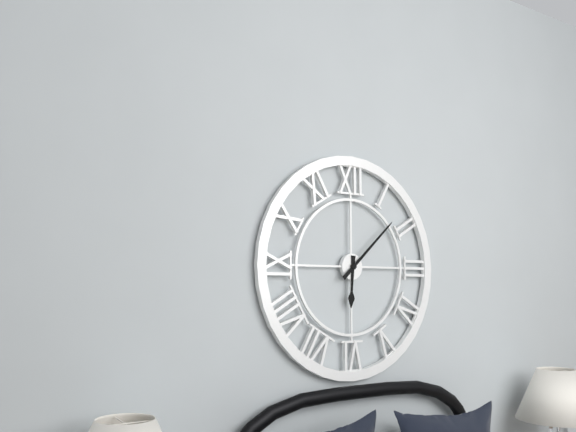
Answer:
6h08
